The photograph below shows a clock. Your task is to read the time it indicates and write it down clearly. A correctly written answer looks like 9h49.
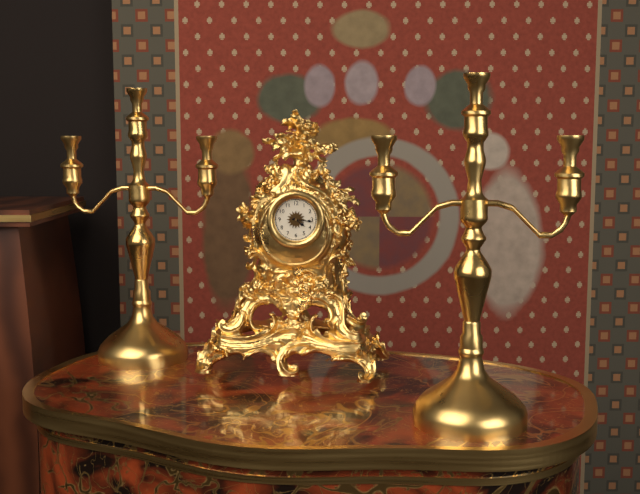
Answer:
4h16
